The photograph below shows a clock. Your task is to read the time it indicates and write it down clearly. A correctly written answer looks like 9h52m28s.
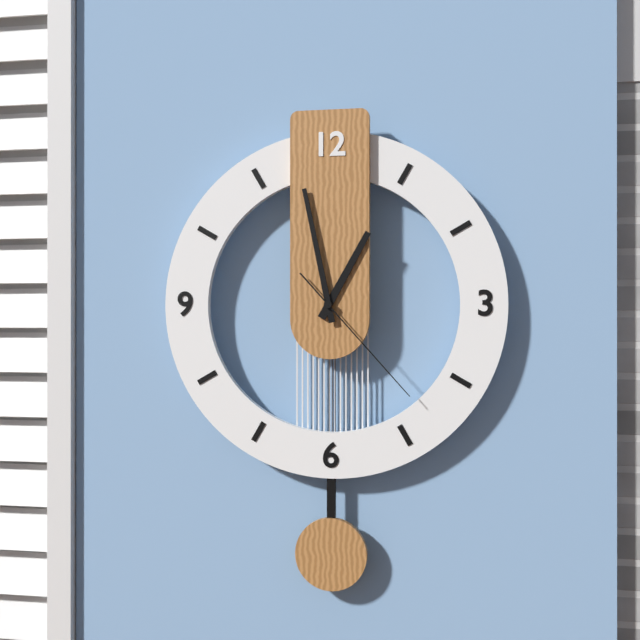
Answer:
12h58m23s
